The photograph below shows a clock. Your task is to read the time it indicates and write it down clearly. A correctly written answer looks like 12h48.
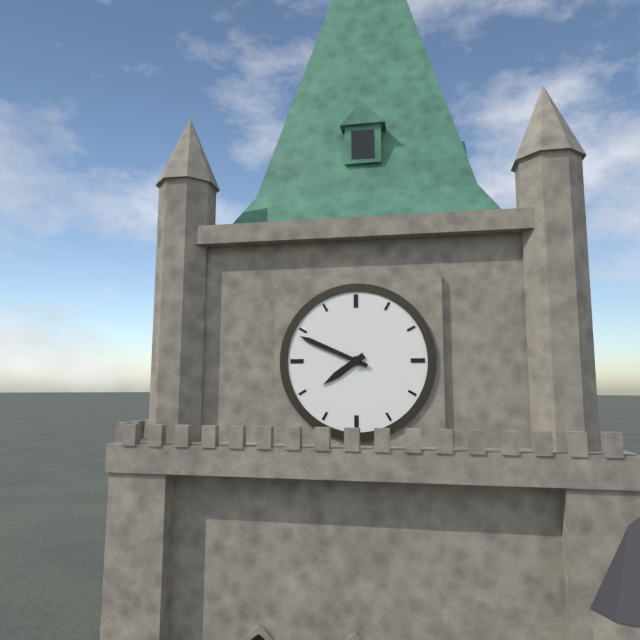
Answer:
7h49
